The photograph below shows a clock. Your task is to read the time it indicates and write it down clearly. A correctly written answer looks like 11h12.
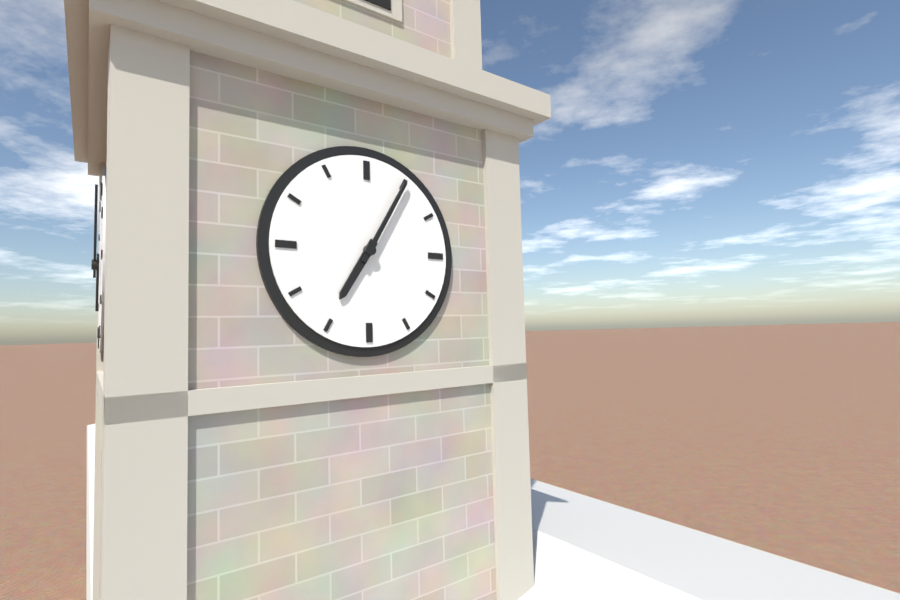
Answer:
7h05
